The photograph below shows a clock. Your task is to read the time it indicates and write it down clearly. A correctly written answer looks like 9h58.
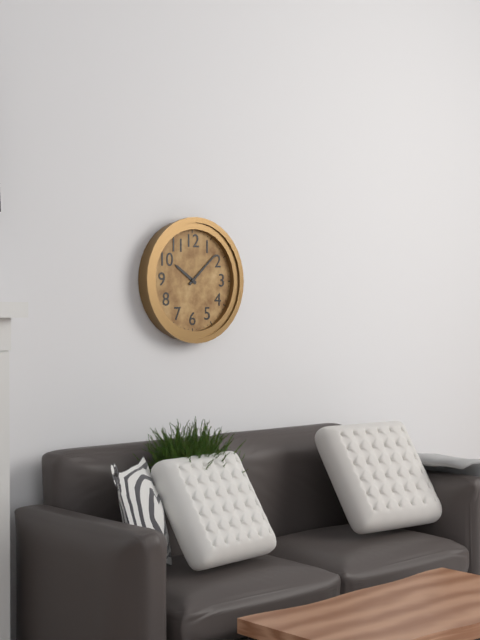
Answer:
10h08
